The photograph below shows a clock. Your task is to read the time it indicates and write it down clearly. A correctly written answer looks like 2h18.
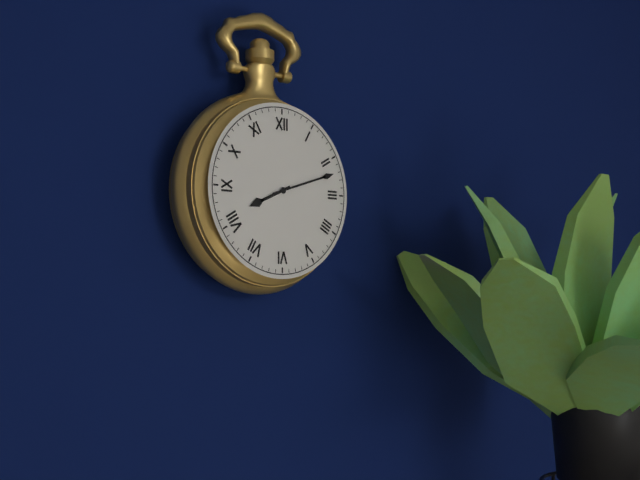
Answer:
8h12
